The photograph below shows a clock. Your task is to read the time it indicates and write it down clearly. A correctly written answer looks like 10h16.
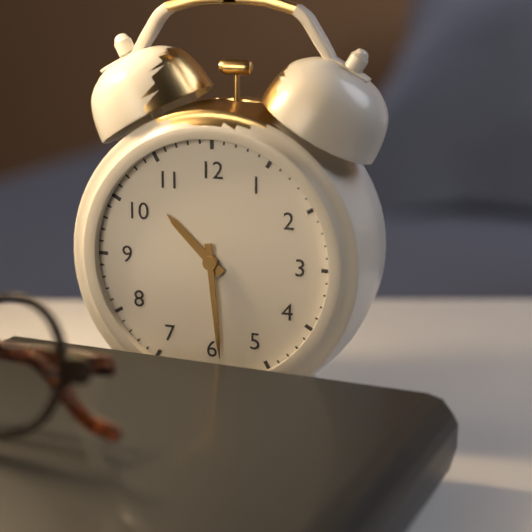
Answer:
10h29
